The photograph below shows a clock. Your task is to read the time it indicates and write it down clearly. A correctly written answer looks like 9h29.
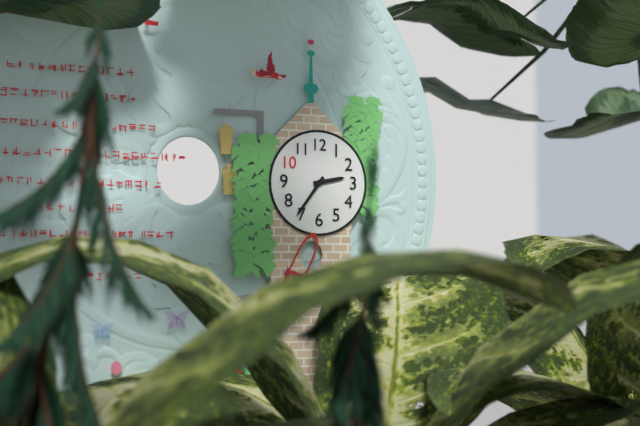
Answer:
2h36
